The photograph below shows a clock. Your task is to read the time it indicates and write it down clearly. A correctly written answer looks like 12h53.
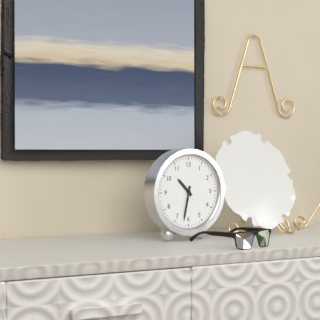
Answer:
10h32
